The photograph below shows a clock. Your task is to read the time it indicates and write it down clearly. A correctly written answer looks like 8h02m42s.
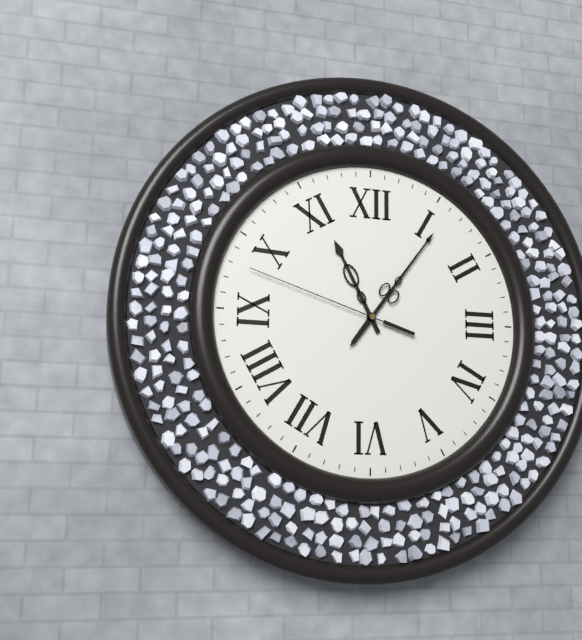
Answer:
11h06m48s
